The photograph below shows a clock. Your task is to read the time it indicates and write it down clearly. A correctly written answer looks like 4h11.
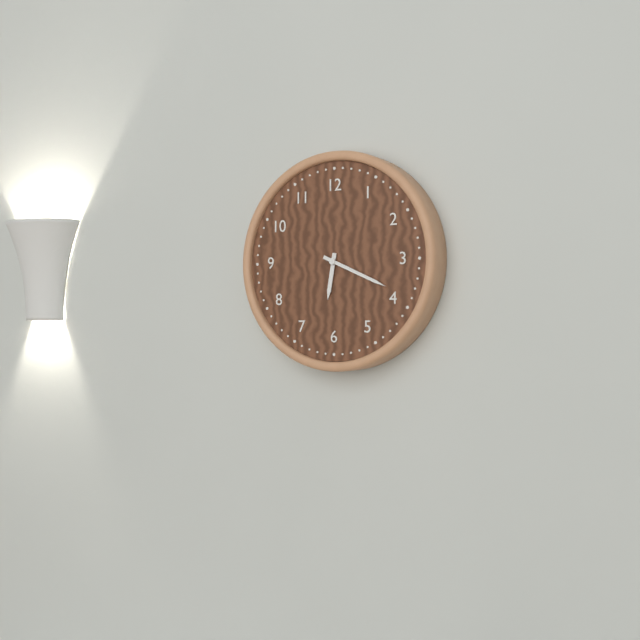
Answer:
6h19
